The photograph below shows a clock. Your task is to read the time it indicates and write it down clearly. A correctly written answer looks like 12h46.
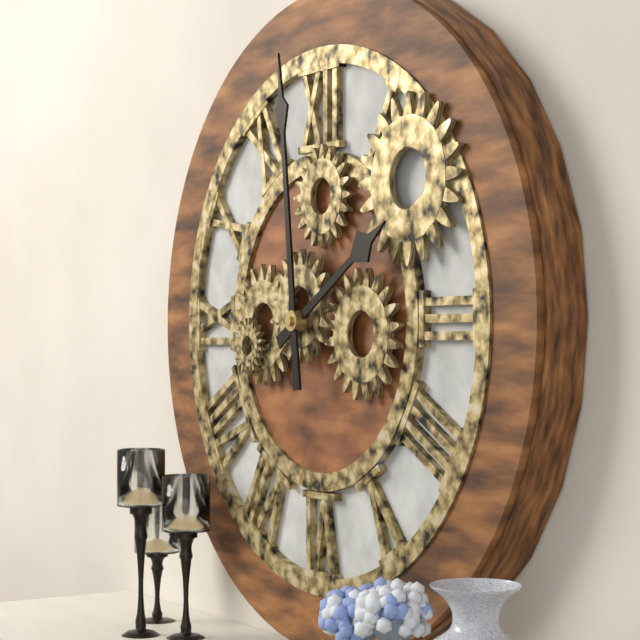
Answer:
1h59
